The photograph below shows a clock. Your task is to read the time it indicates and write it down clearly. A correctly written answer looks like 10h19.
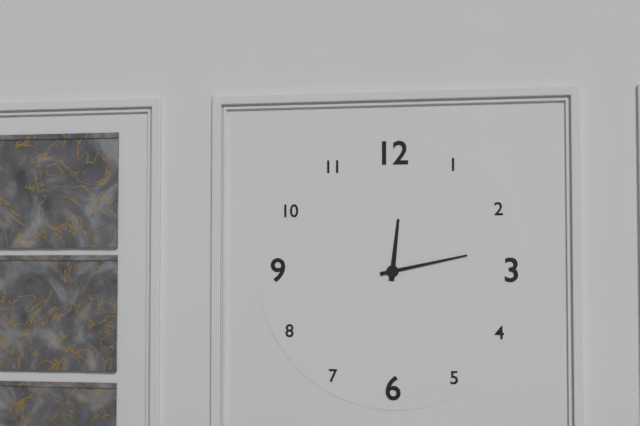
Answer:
12h13
